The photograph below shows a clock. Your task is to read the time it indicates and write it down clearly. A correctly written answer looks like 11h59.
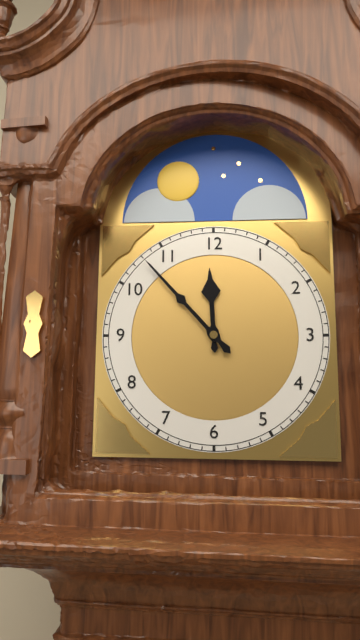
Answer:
11h53
